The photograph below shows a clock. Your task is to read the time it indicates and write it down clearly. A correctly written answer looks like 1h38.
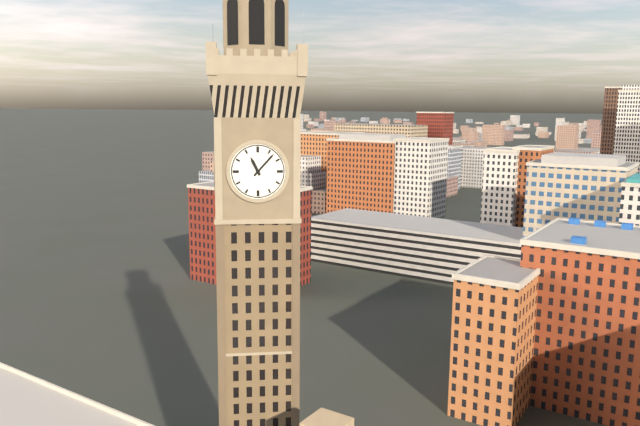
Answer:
11h07
